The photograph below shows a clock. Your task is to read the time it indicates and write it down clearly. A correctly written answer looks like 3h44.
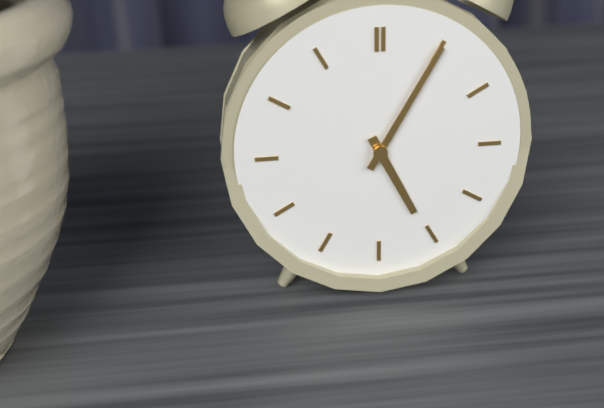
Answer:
5h05
